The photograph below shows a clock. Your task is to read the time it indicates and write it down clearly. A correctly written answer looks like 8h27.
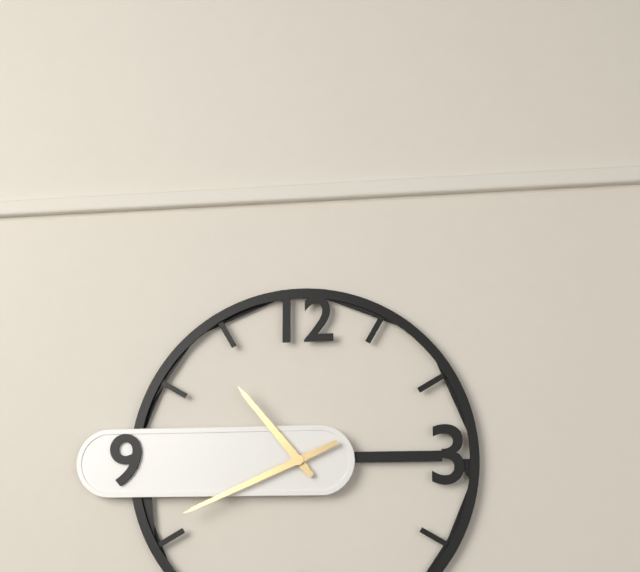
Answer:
10h41
